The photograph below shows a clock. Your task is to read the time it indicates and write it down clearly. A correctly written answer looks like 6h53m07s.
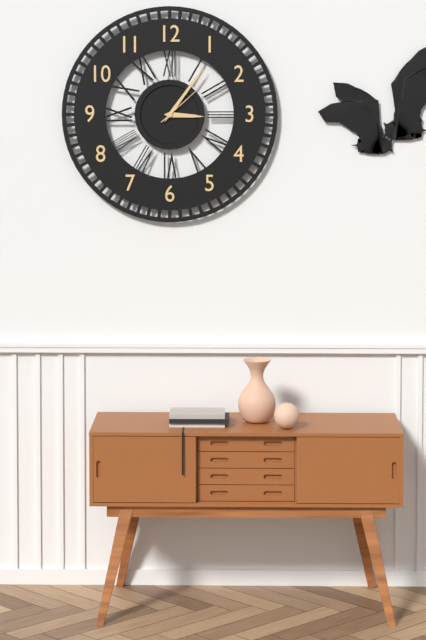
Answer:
3h06m08s
